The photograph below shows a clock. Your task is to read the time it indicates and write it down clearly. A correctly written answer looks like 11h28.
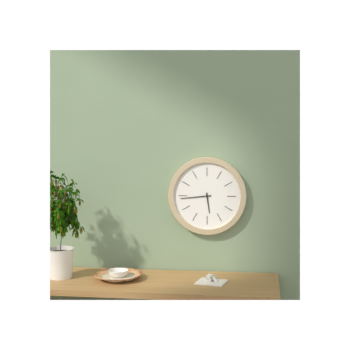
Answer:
5h44
